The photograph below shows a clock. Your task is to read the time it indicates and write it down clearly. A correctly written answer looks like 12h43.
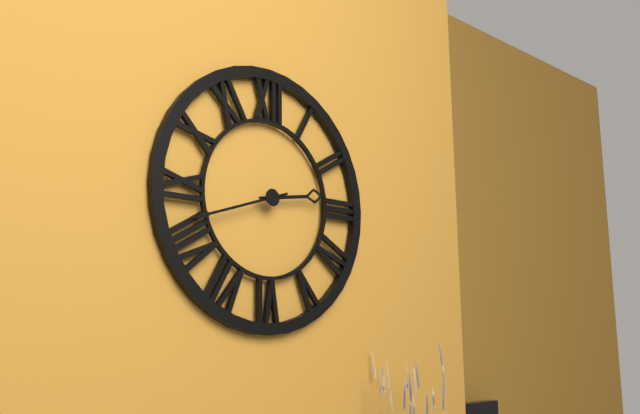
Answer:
2h42
